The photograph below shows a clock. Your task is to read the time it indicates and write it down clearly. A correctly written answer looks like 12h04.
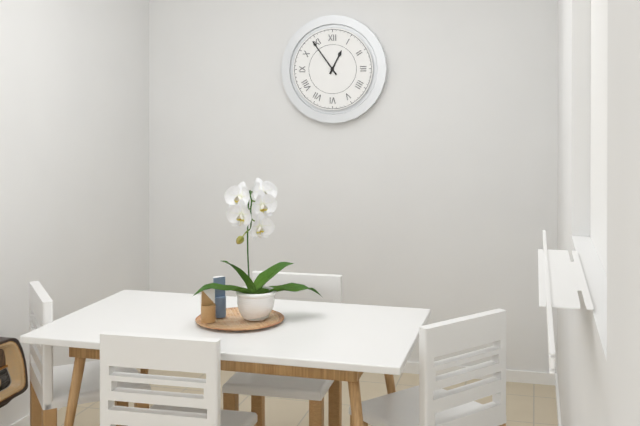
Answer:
12h54
